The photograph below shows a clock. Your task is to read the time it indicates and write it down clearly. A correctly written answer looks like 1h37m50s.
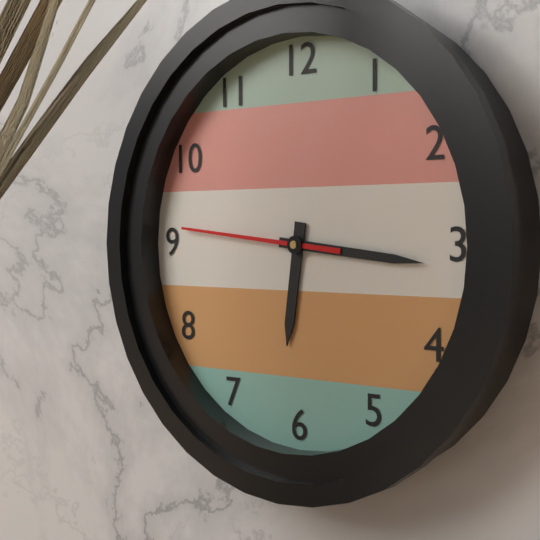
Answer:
6h16m46s
